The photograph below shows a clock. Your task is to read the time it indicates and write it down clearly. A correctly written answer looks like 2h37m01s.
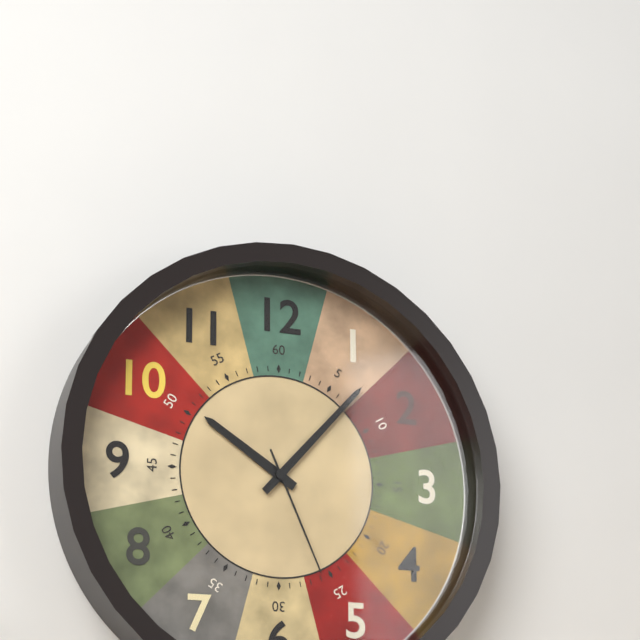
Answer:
10h07m26s
